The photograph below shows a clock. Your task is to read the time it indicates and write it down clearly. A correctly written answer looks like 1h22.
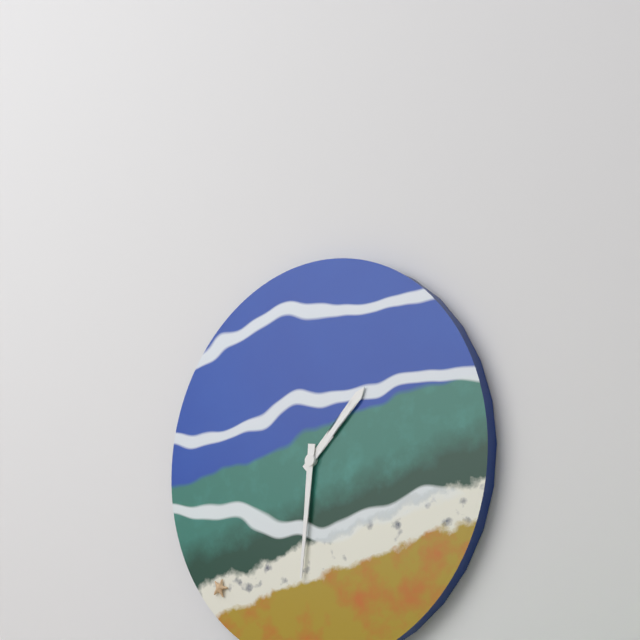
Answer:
1h31
